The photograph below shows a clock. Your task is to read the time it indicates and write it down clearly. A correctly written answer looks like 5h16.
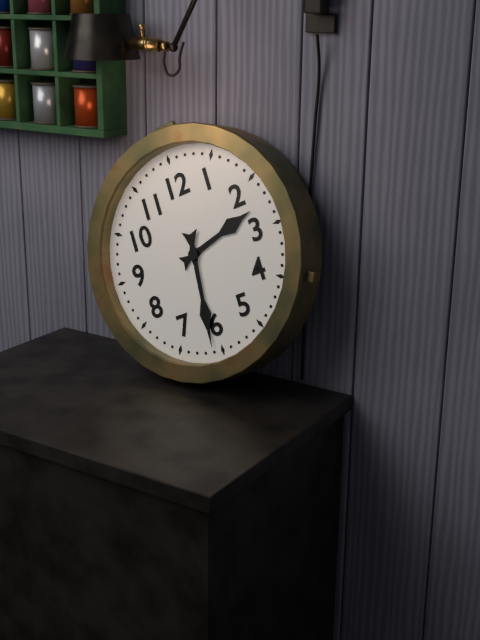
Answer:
2h31
